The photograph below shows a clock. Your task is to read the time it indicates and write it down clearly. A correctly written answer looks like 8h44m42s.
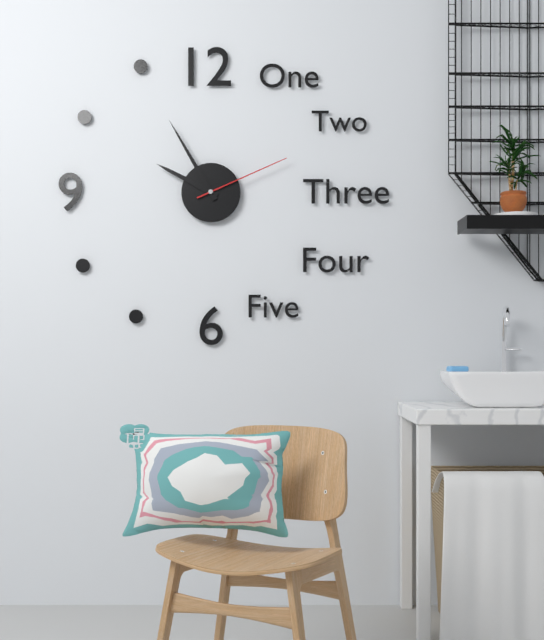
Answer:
9h55m11s
